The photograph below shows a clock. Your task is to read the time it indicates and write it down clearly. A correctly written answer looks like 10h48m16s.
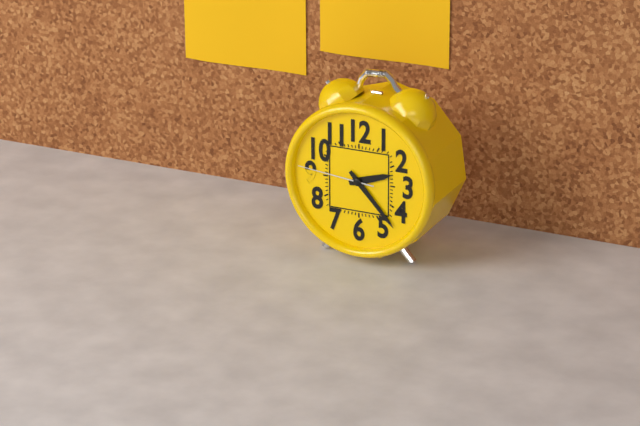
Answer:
2h23m46s
